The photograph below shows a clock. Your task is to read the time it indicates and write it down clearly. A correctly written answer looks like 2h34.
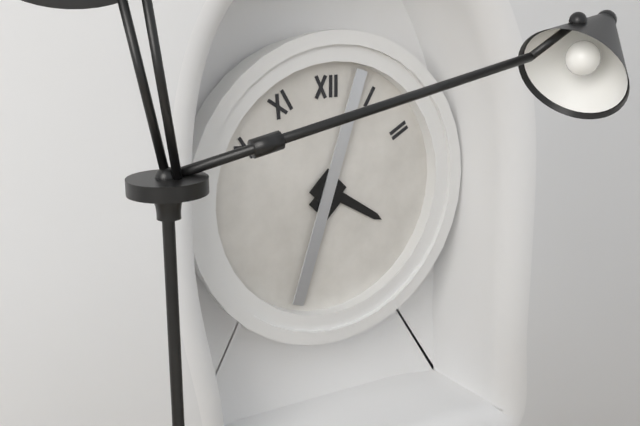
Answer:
4h03
